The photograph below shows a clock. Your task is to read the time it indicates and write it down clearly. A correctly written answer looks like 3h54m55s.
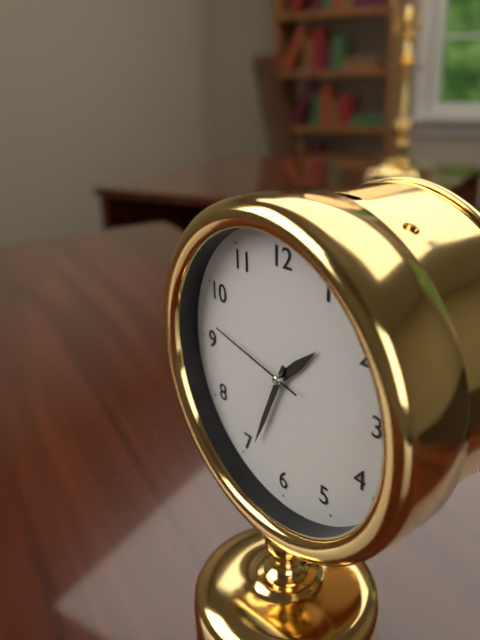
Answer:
1h34m47s
